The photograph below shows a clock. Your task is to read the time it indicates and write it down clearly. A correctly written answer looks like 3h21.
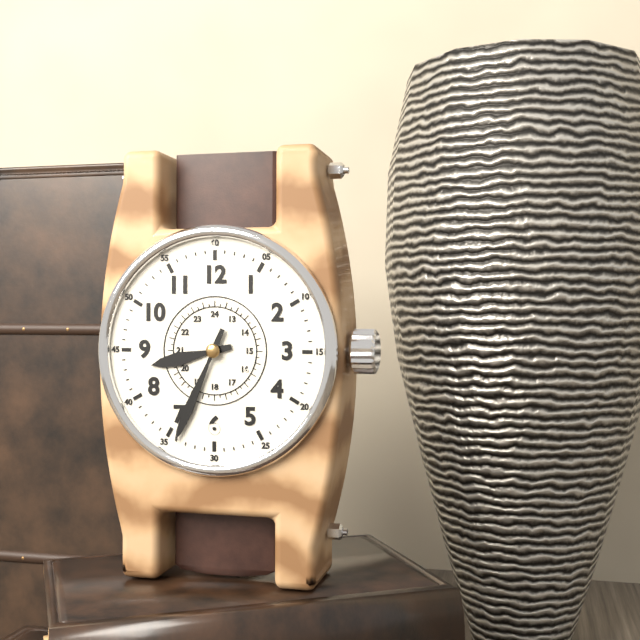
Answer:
8h34
